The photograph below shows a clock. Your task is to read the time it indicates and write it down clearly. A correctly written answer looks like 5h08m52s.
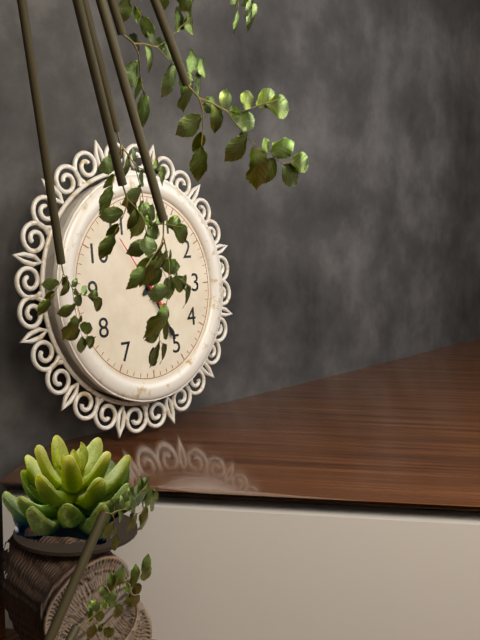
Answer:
1h25m54s
